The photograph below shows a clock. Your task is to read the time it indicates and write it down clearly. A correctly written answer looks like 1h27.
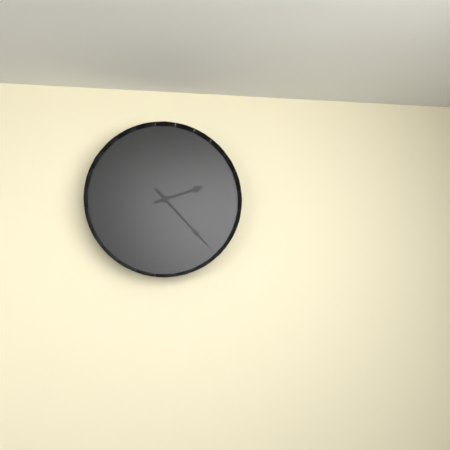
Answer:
2h23
